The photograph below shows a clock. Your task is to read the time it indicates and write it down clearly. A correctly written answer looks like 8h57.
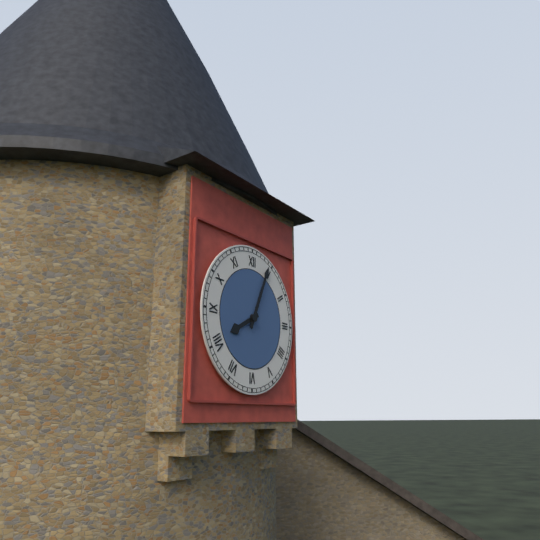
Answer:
8h04
